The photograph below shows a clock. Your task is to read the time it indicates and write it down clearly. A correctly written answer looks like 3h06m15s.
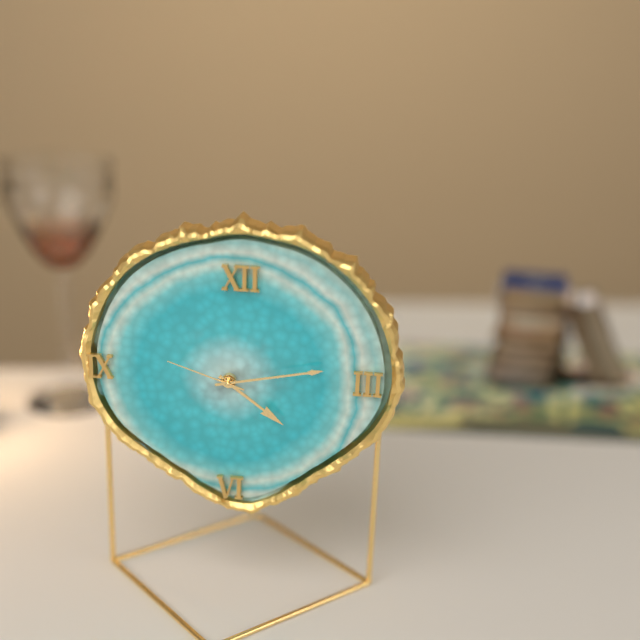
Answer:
4h13m48s
